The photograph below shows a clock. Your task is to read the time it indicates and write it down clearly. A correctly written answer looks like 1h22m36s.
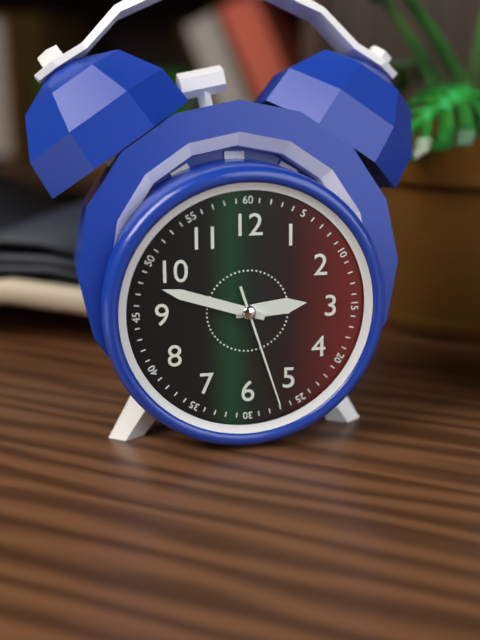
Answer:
2h48m27s
